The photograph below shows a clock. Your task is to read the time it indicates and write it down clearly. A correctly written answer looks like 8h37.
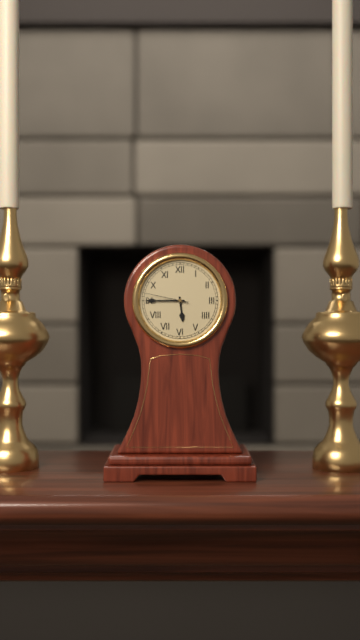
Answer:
5h45
